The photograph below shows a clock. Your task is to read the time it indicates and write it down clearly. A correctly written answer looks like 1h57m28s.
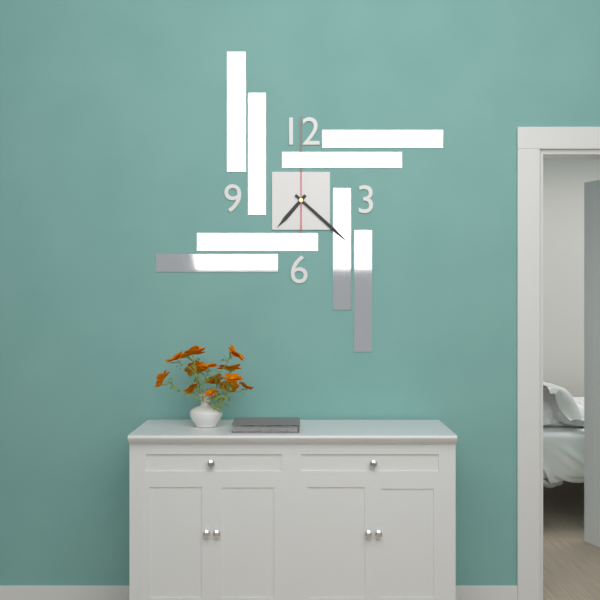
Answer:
7h22m00s
